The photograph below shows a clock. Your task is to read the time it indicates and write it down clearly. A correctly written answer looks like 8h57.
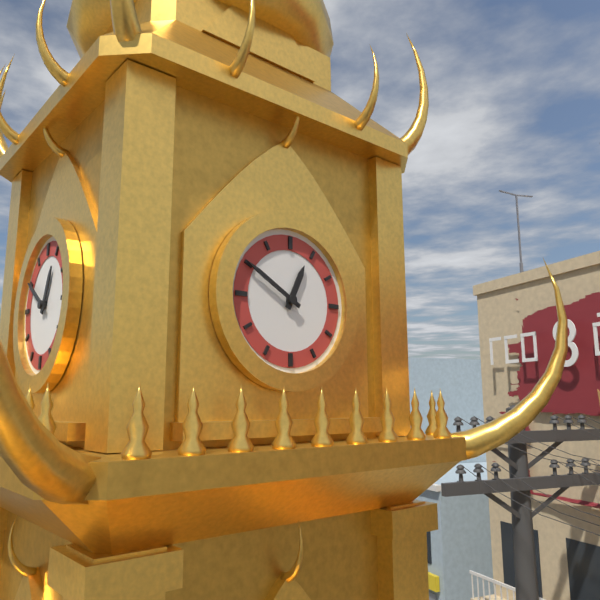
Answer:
12h50
